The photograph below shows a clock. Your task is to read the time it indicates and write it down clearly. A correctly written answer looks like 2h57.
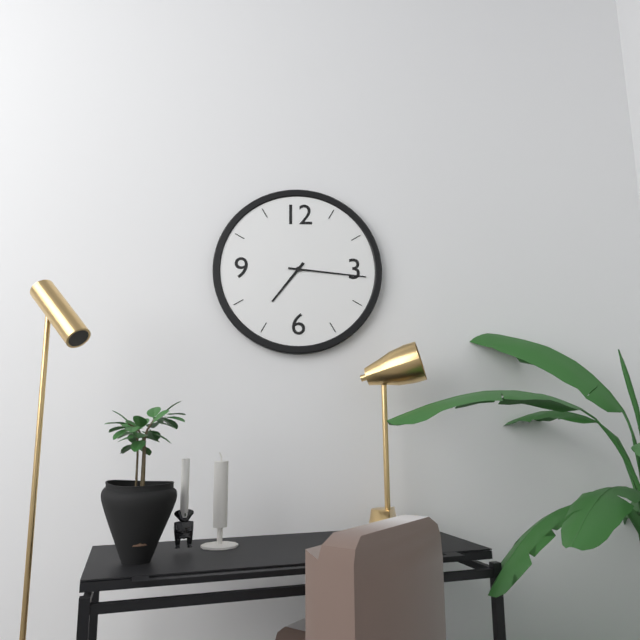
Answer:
7h16
